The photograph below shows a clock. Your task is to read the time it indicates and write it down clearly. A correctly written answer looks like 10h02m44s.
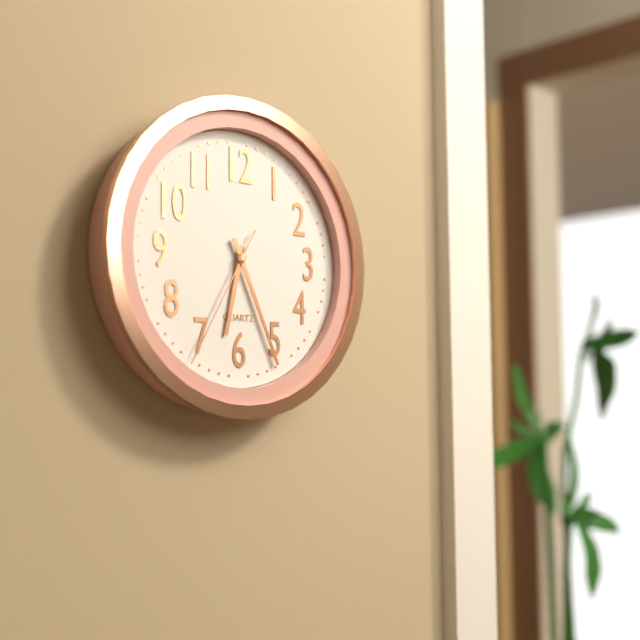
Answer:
6h26m35s
